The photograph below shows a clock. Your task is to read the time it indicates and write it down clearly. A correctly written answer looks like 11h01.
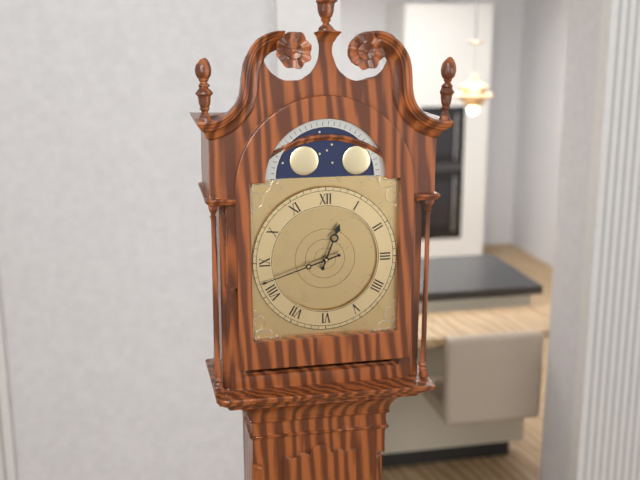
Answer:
12h42
